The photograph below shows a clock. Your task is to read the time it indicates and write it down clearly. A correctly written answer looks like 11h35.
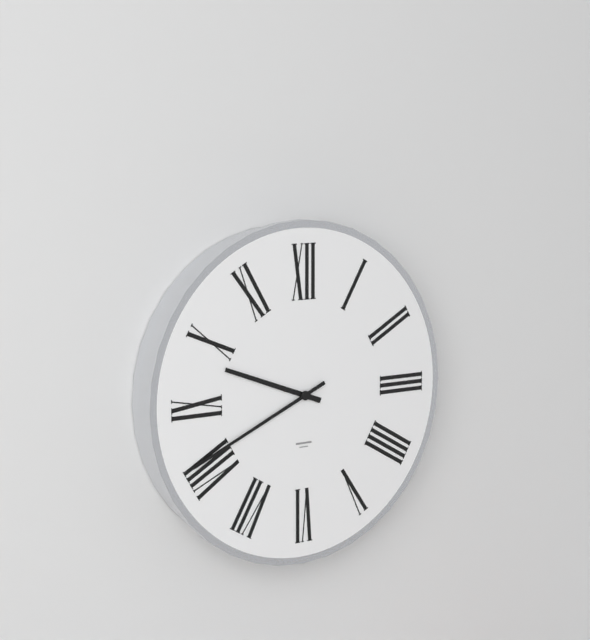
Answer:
9h41
